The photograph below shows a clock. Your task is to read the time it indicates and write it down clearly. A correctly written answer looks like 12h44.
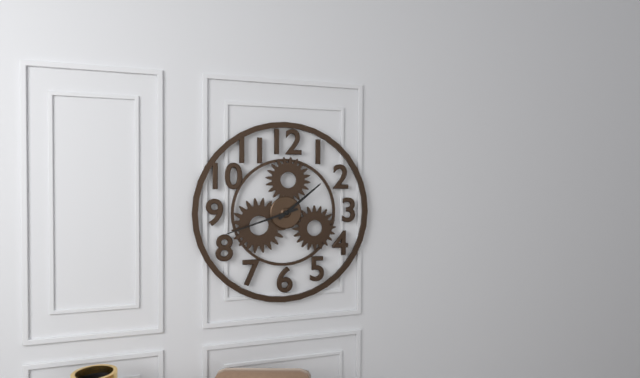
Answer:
1h42
